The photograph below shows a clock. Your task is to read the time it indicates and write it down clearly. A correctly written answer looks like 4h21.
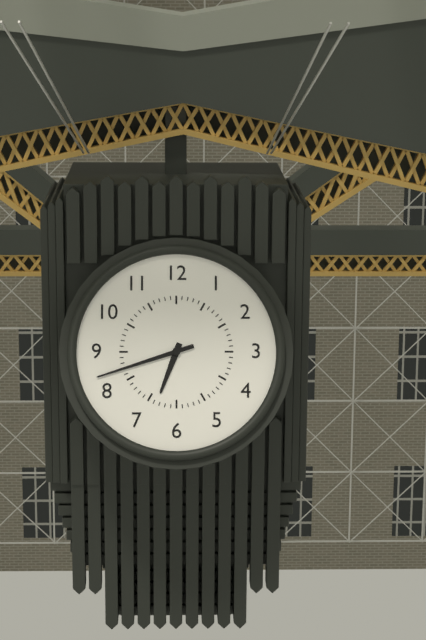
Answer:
6h42
